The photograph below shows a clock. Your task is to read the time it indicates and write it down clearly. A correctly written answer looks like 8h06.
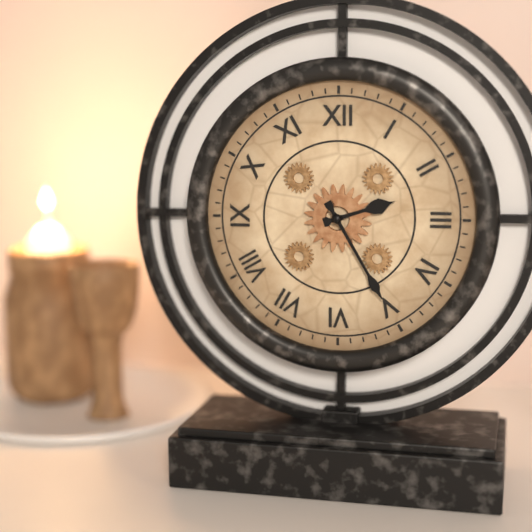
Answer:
2h25
